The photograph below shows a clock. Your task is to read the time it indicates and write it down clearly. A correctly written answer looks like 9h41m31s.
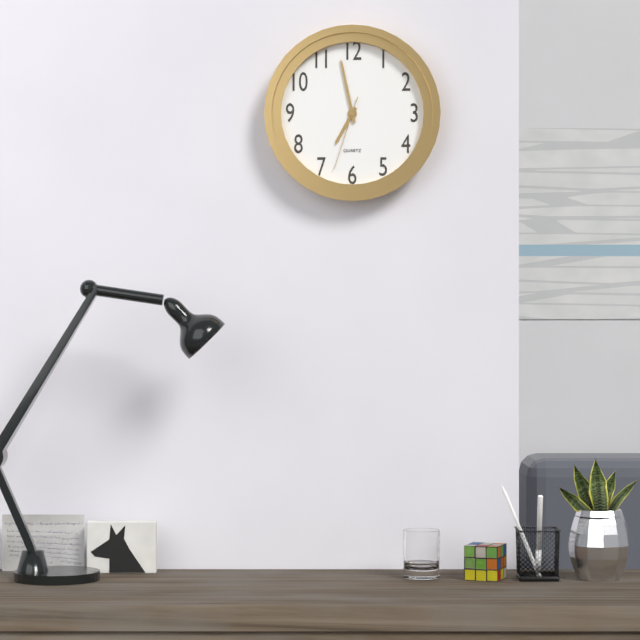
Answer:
6h58m33s
